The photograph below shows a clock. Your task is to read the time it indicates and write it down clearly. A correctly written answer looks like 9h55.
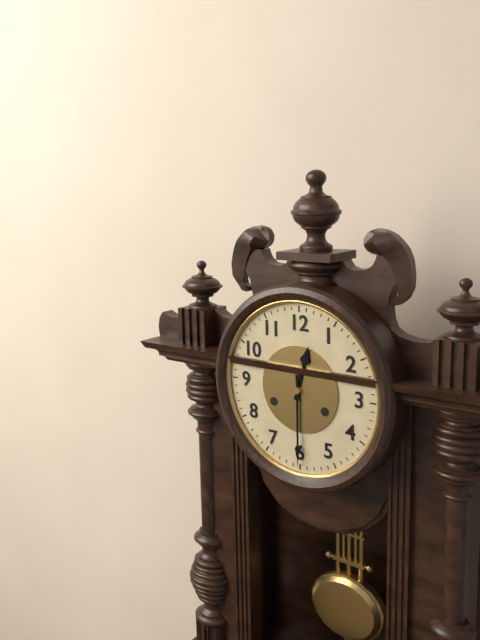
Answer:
12h30
